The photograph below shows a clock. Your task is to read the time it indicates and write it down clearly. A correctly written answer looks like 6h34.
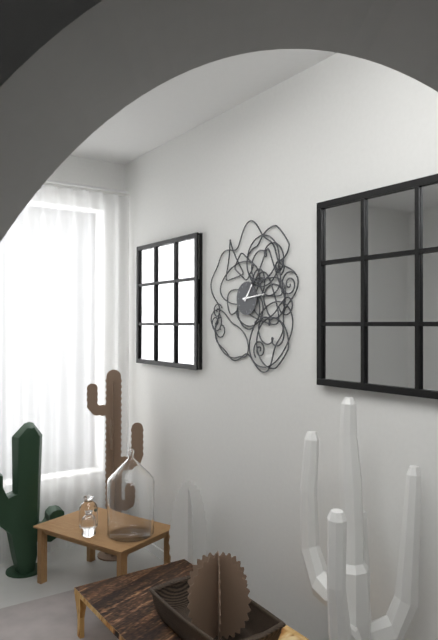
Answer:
1h14
